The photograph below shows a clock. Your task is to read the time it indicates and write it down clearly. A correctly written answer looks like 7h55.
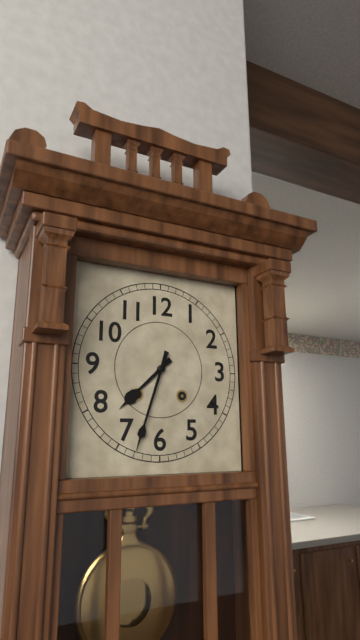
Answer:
7h33
